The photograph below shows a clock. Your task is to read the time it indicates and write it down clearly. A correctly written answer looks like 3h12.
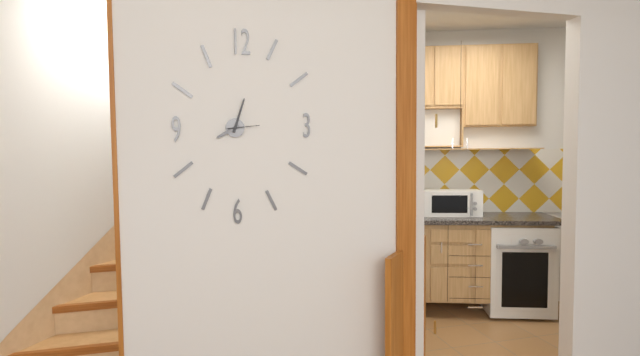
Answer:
8h03
